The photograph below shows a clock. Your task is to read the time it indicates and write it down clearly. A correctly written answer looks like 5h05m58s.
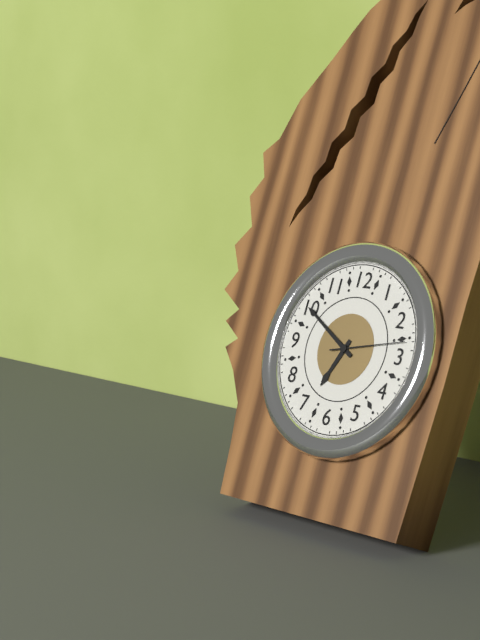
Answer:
6h50m13s
